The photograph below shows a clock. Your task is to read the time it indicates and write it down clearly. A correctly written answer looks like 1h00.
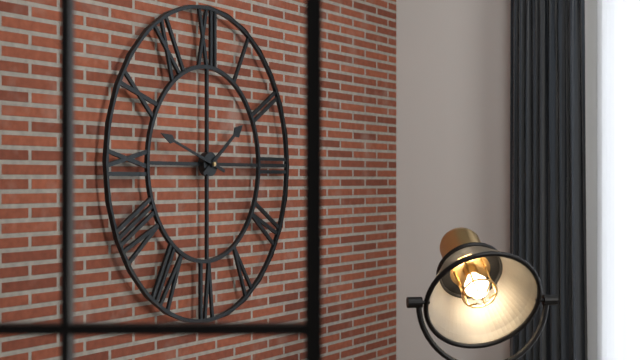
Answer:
1h48
